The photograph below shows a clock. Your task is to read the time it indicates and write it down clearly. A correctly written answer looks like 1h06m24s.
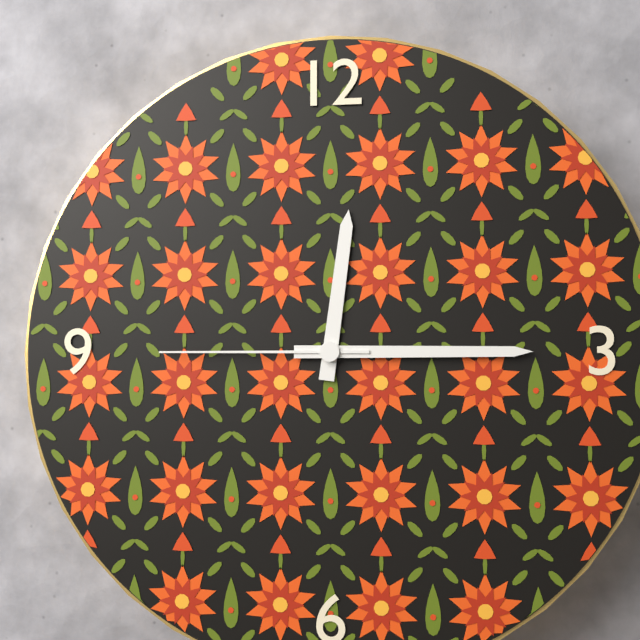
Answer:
12h15m45s
